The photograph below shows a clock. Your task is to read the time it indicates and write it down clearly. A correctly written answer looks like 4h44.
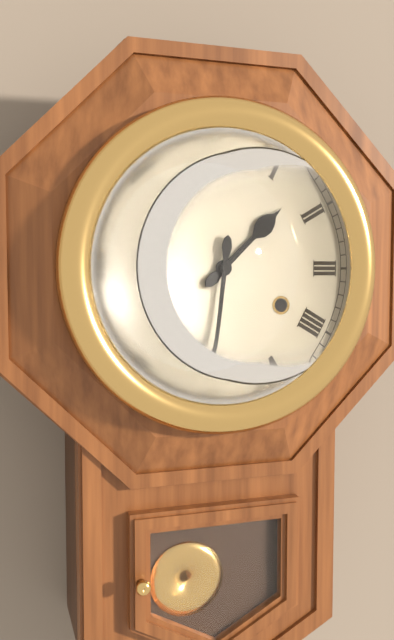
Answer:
1h31
